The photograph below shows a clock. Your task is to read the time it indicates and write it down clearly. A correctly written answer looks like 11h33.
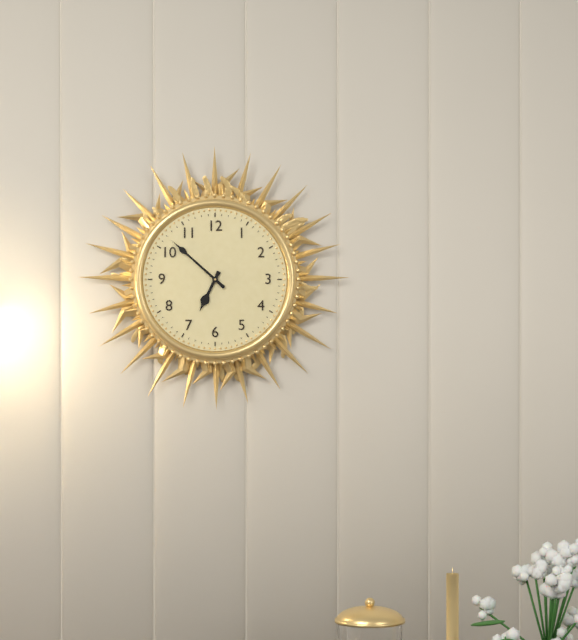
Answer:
6h52
